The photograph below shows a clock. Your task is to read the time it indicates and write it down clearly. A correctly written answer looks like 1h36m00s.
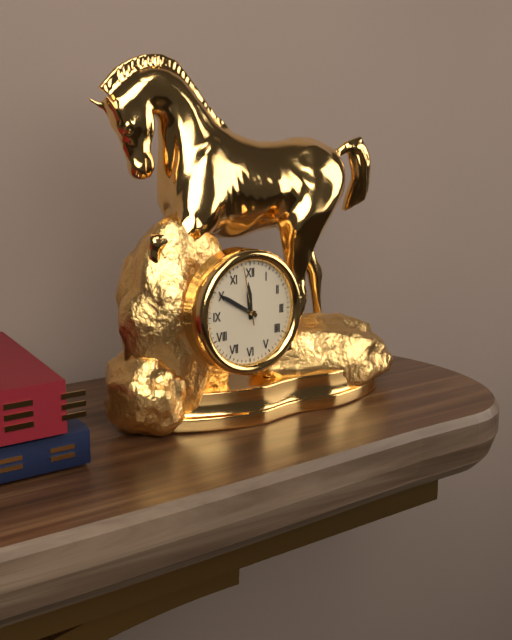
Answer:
11h50m58s
